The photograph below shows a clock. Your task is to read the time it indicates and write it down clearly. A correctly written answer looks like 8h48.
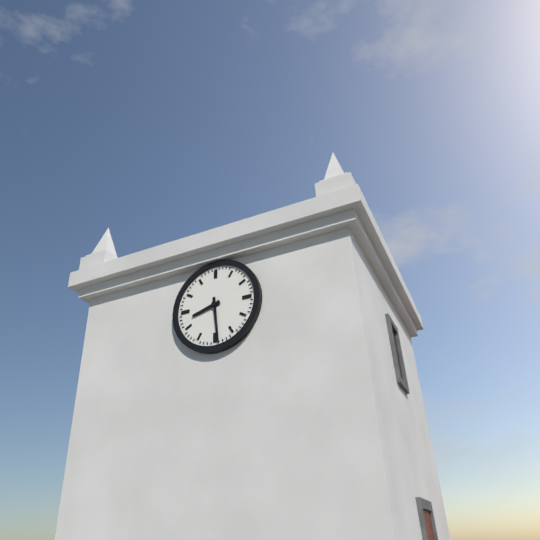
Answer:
8h29
